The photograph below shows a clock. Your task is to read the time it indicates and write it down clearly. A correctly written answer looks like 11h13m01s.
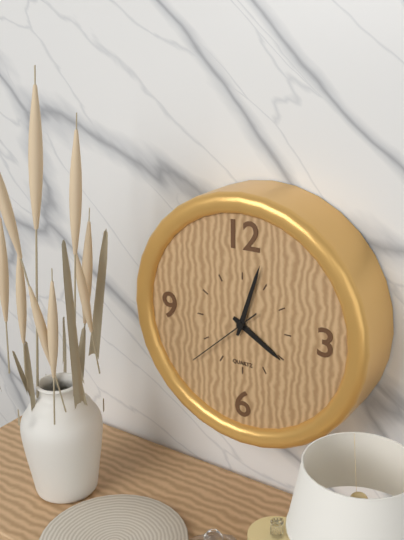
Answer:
4h03m38s
